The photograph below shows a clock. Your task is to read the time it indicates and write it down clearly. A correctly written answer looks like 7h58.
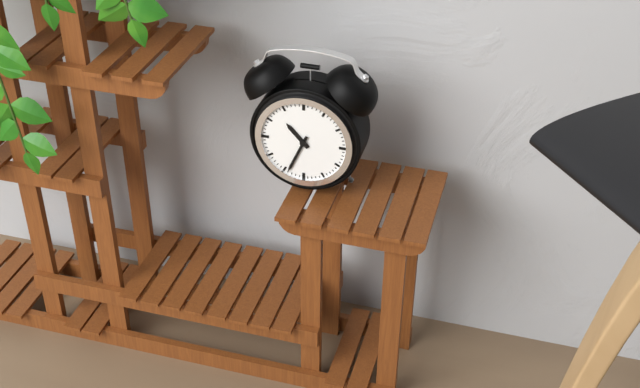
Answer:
10h34
